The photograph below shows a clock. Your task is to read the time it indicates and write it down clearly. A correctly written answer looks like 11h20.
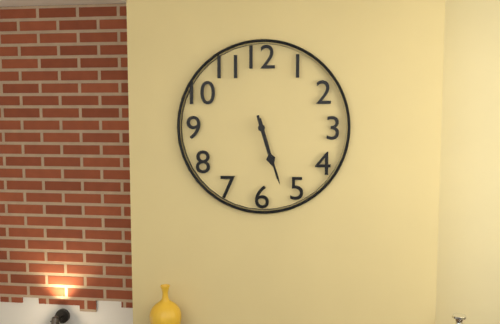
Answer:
5h27
